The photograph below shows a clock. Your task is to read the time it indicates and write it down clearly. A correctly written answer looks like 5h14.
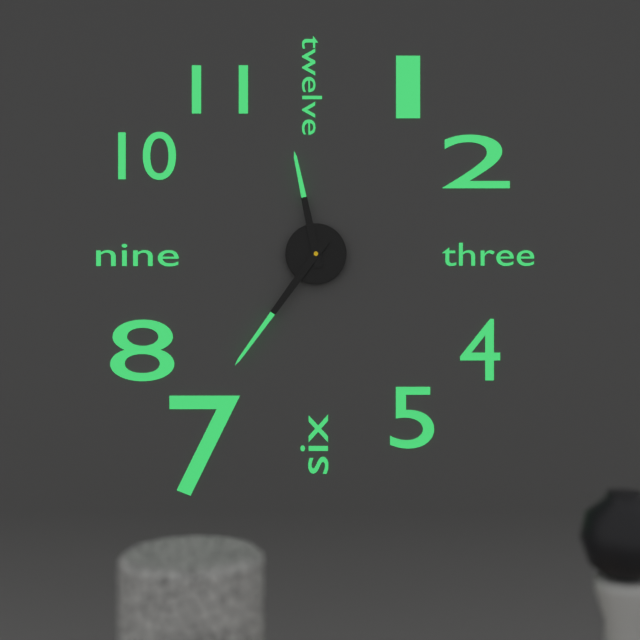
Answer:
11h36
